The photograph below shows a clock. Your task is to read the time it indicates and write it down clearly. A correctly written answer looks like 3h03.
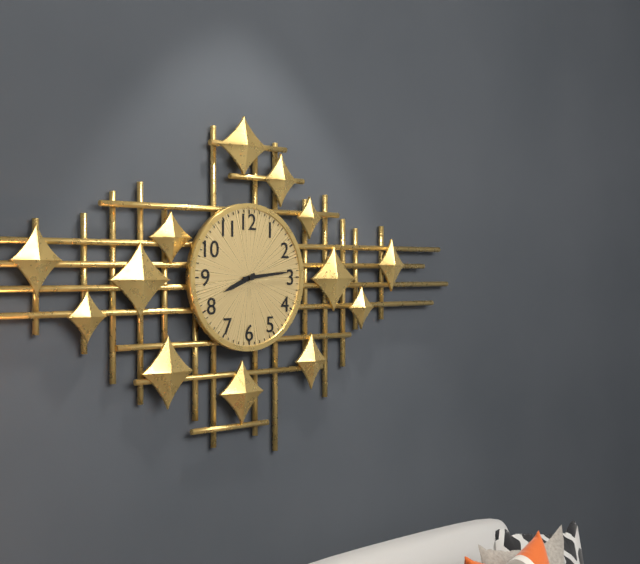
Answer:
8h14
